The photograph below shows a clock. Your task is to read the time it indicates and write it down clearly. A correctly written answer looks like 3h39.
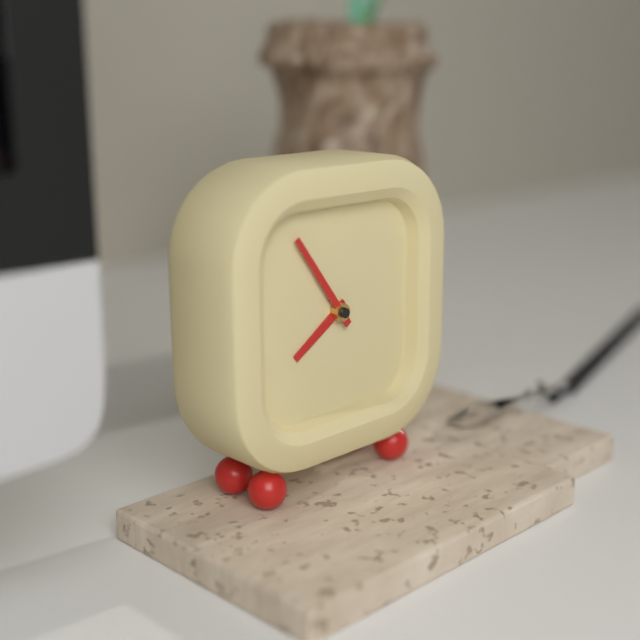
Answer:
7h54
